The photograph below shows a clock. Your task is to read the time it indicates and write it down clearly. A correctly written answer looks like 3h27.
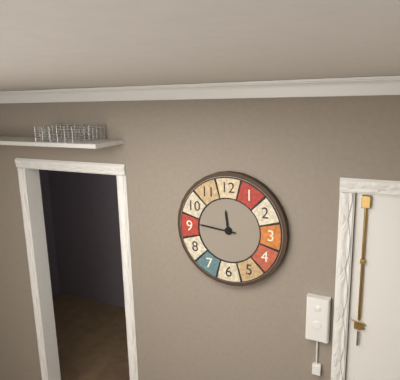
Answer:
11h46
